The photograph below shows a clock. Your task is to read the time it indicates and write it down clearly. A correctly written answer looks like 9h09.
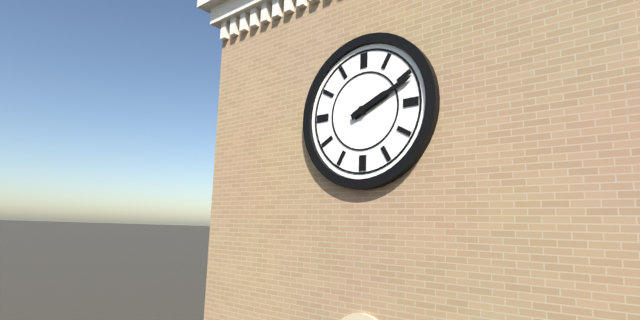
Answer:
2h11
